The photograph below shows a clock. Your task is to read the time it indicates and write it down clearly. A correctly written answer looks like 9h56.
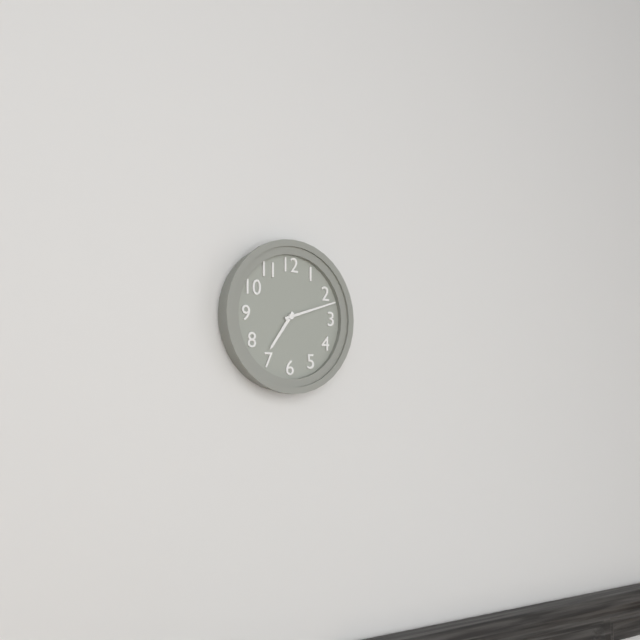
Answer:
7h12
